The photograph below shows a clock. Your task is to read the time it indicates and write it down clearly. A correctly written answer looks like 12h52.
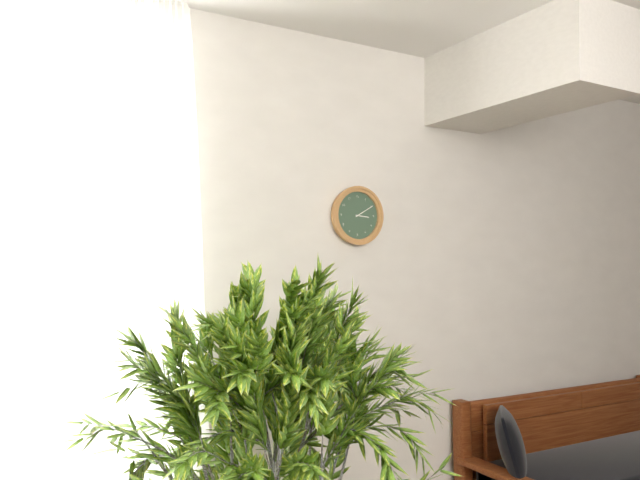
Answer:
3h10
